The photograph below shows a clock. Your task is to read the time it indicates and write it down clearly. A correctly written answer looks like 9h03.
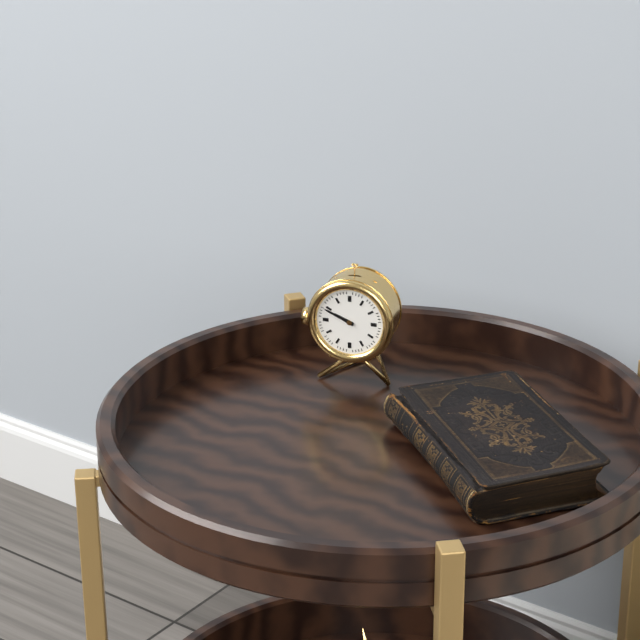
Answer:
9h49
